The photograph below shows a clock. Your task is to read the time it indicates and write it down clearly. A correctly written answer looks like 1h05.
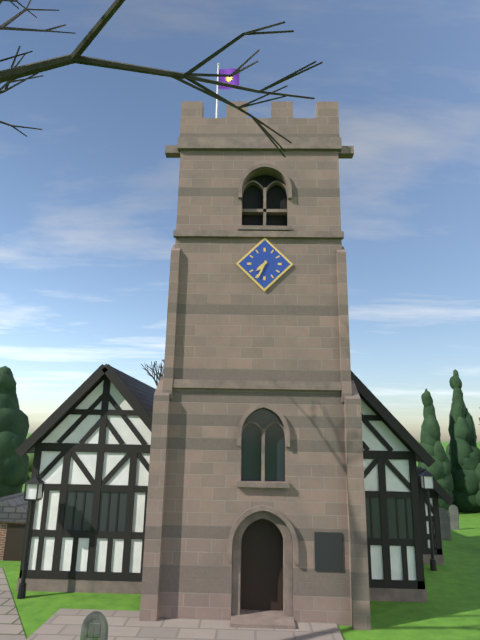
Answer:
7h34
